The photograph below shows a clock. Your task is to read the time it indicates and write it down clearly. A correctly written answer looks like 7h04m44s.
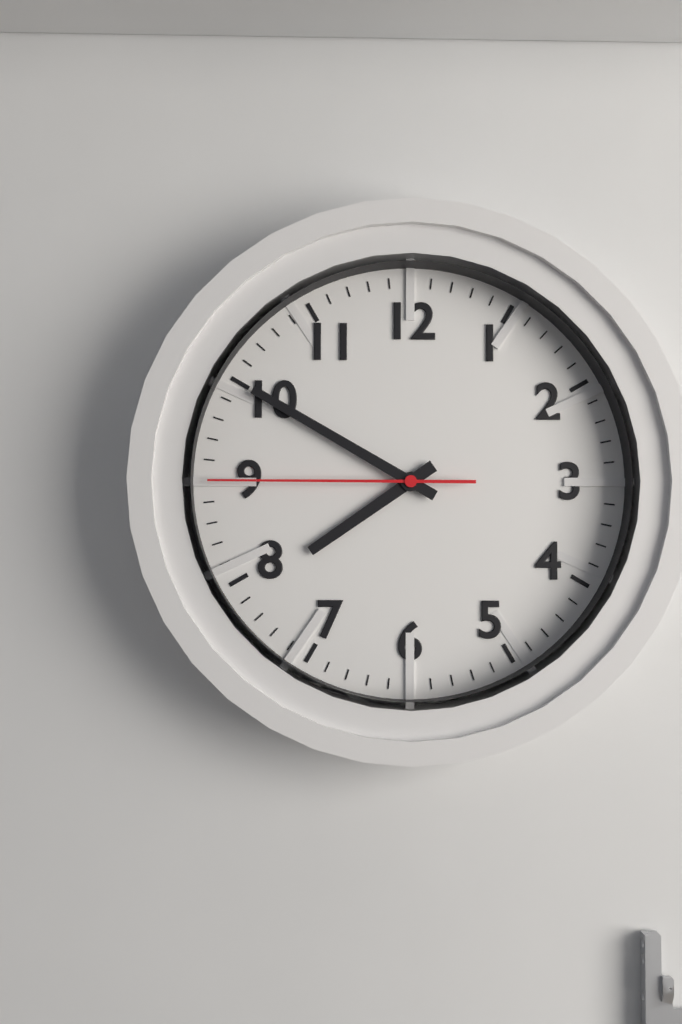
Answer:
7h50m45s
